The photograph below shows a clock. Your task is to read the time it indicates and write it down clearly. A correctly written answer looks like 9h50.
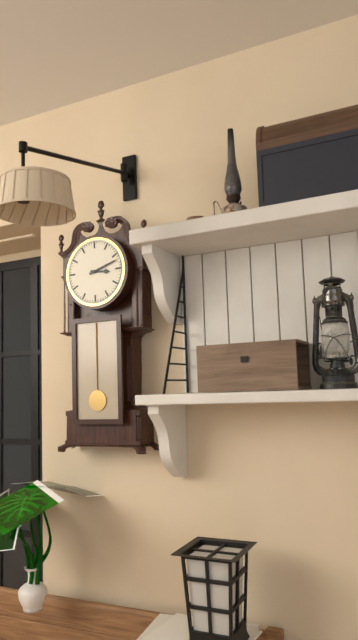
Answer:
3h12
